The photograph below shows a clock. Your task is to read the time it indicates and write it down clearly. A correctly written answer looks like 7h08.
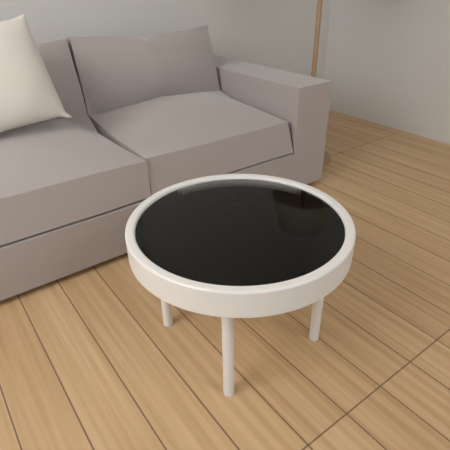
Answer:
7h30
